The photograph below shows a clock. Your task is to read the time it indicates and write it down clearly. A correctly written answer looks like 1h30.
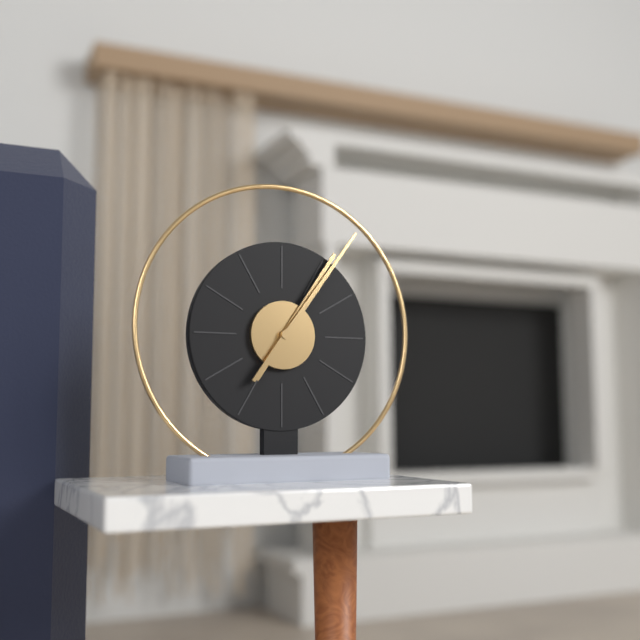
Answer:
1h06
